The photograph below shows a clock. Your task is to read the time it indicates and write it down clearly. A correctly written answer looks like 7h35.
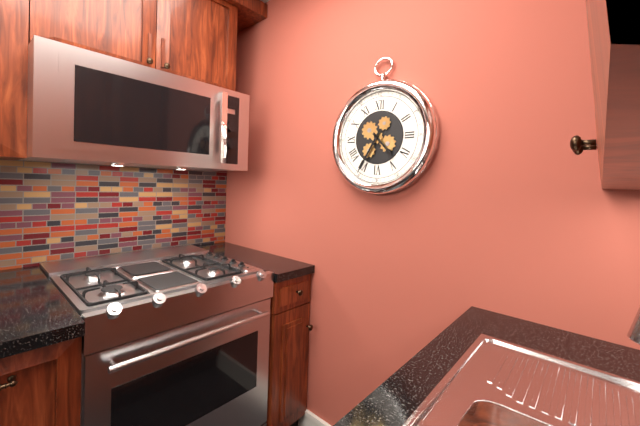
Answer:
4h35
